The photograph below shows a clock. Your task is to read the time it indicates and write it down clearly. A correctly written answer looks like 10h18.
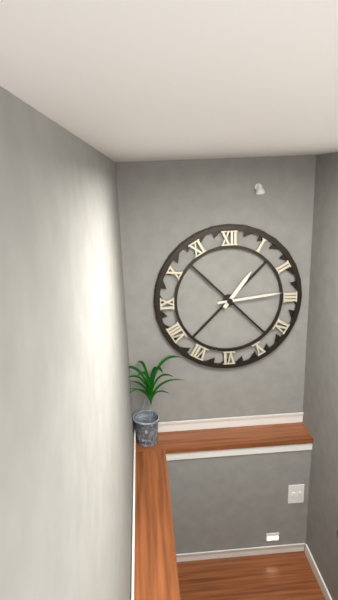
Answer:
1h14
